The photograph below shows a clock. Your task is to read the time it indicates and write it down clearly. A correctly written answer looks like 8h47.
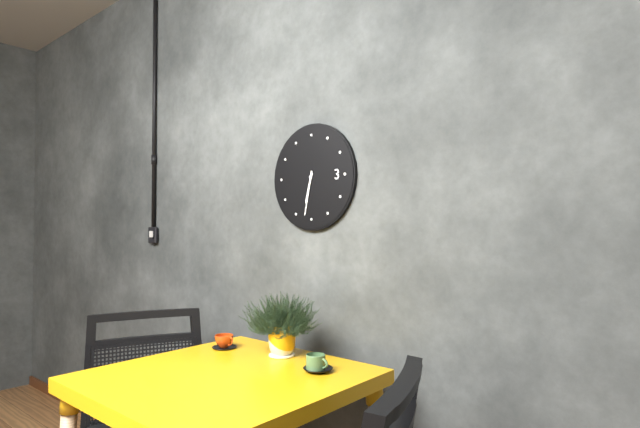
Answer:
6h32
